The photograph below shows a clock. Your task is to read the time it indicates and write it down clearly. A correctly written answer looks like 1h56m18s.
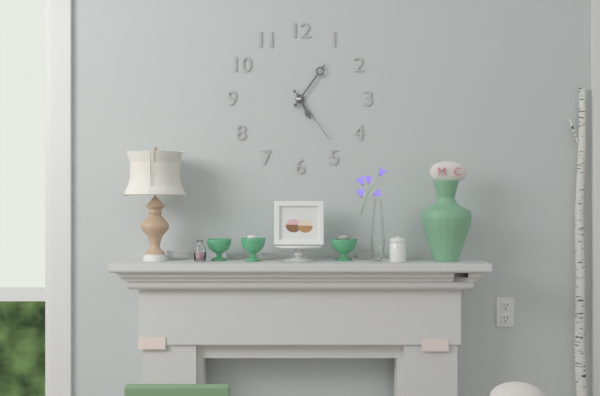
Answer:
5h06m24s
